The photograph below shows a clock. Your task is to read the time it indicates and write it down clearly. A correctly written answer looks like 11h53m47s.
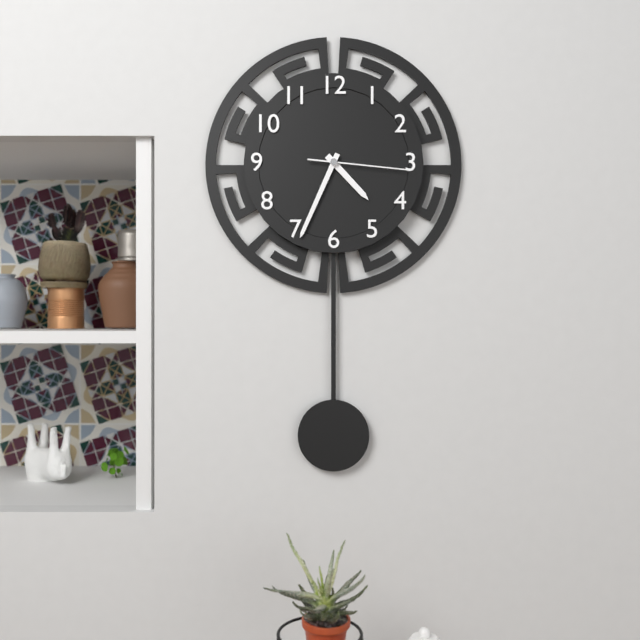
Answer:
4h34m16s
